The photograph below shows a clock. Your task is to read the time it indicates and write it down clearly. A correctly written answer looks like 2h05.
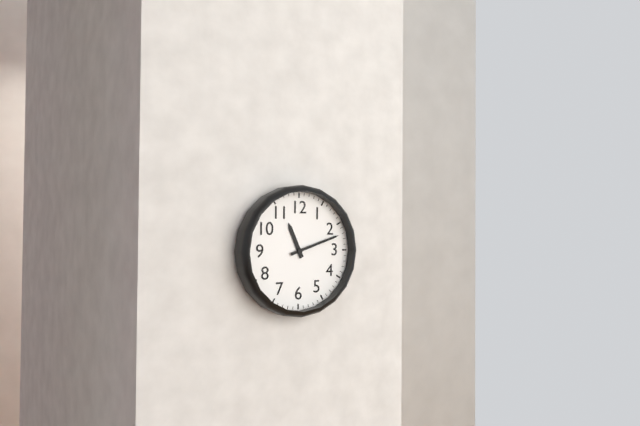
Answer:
11h12
